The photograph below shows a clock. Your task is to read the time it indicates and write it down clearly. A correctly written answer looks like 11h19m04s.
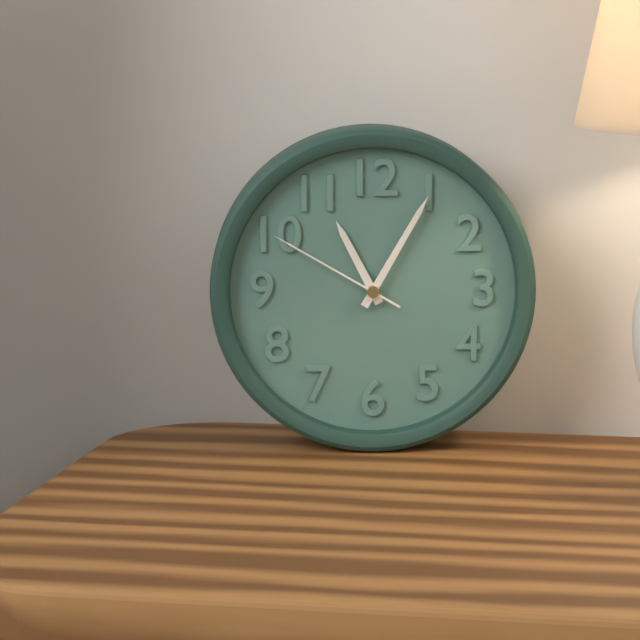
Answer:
11h05m50s
